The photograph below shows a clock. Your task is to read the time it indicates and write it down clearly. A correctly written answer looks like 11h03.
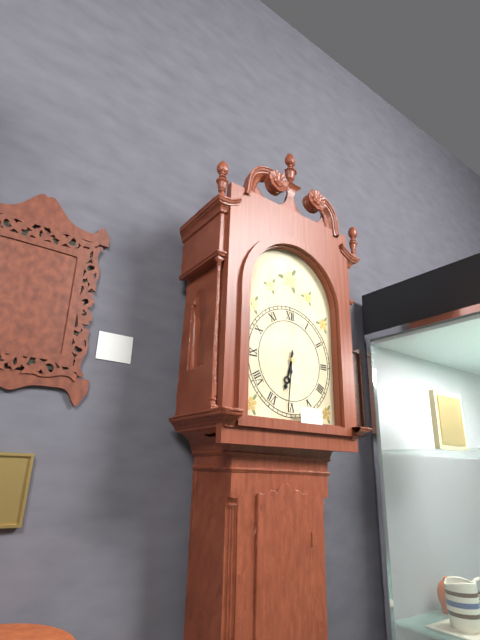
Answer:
6h31
